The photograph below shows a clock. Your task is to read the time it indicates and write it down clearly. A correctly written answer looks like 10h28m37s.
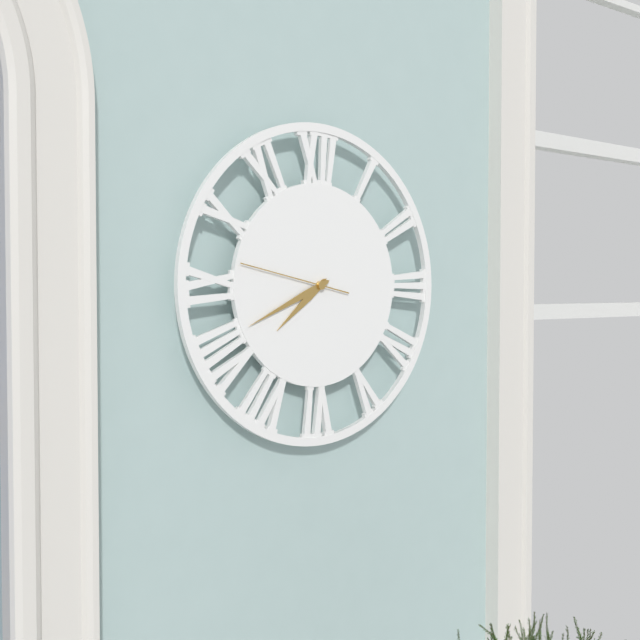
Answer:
7h41m47s
